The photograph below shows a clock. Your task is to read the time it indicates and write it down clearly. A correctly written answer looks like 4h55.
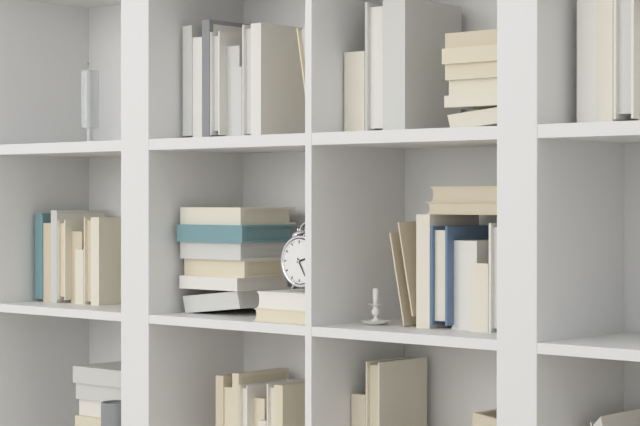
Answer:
2h25
